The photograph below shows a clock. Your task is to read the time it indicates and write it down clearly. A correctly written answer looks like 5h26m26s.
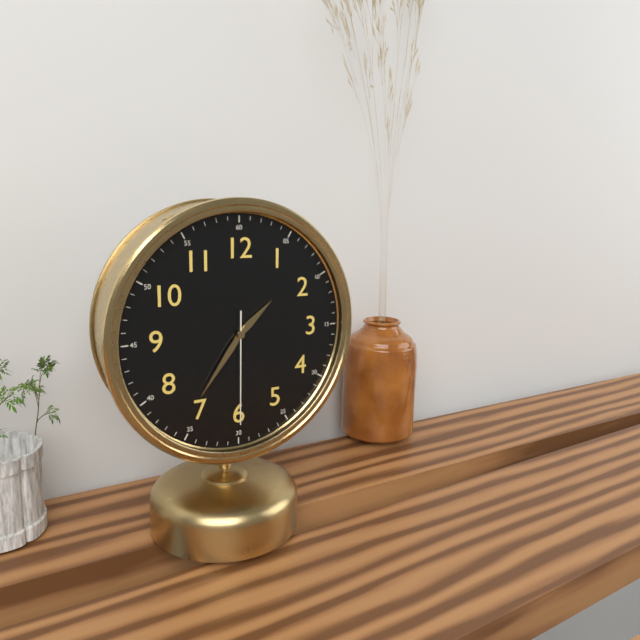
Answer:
1h36m30s
